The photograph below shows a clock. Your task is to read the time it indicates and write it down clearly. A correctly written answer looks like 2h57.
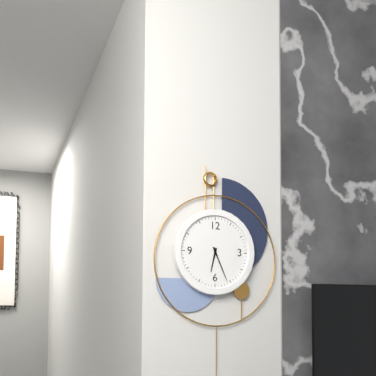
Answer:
6h26
